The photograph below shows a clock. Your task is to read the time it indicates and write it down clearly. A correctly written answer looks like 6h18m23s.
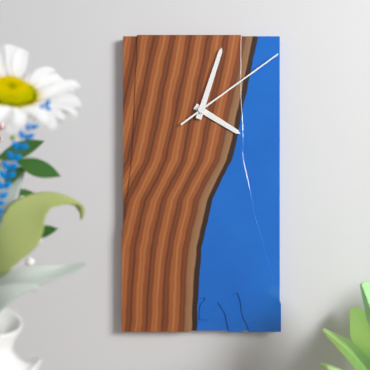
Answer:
4h03m09s
